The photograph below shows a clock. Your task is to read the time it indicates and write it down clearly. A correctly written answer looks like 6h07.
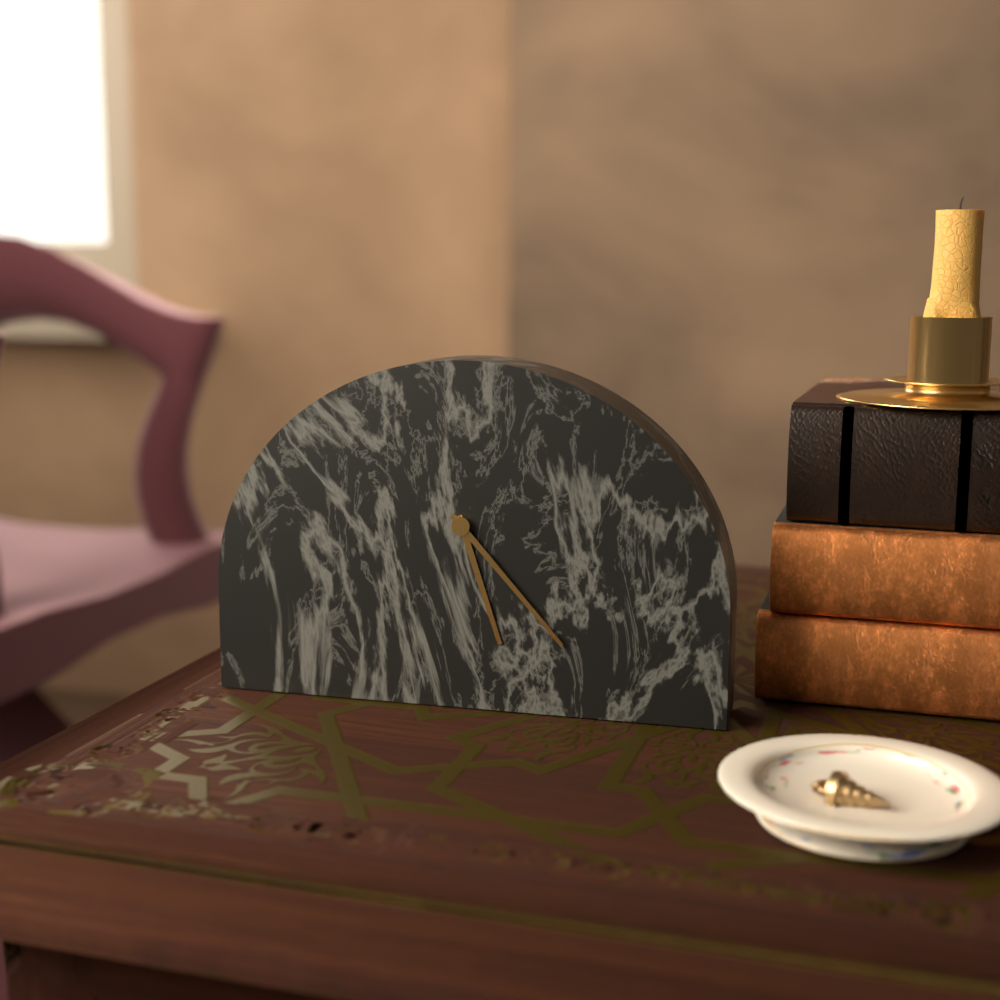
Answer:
5h23
